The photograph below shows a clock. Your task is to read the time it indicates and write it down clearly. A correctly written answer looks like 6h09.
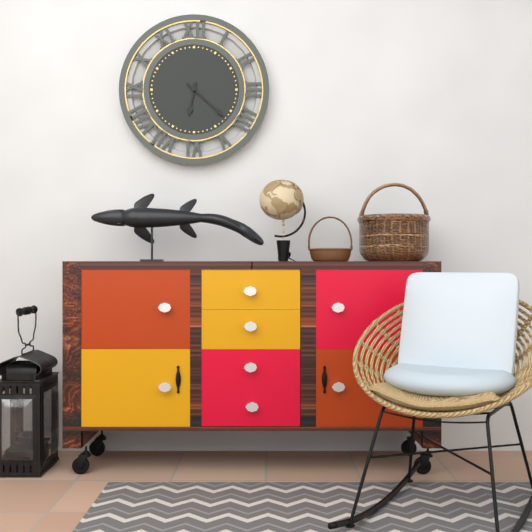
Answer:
6h22
